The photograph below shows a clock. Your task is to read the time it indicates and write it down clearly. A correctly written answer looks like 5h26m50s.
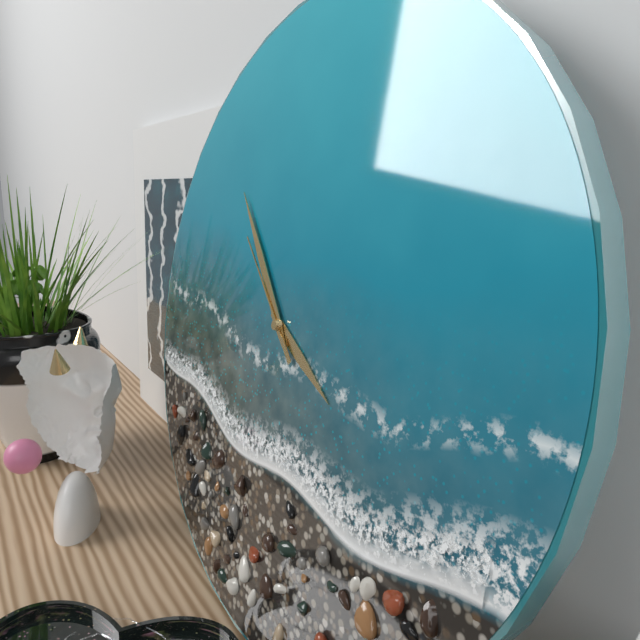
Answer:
3h53m52s
